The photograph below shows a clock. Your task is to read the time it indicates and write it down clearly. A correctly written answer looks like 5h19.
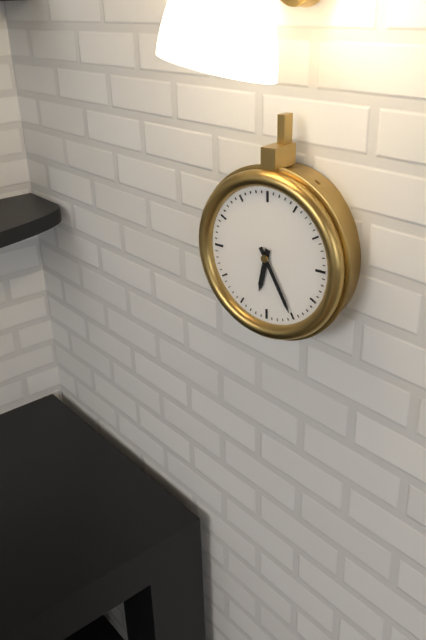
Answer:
6h25
